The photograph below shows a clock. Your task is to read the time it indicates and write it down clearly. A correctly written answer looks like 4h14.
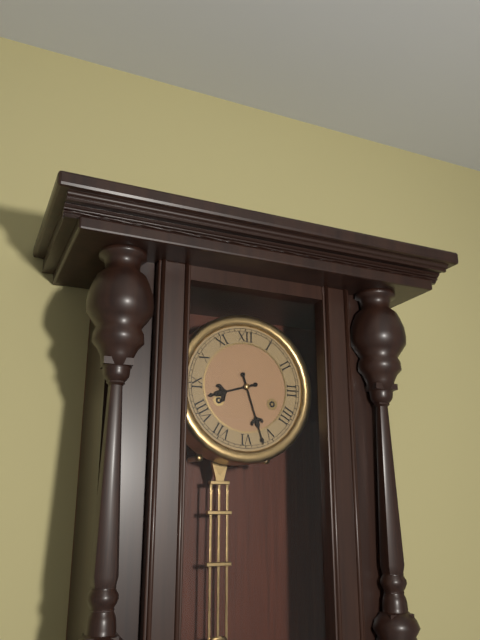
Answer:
8h27
